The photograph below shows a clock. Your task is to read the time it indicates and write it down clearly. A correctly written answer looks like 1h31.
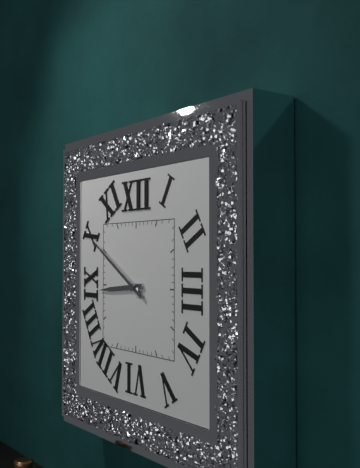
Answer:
8h50
